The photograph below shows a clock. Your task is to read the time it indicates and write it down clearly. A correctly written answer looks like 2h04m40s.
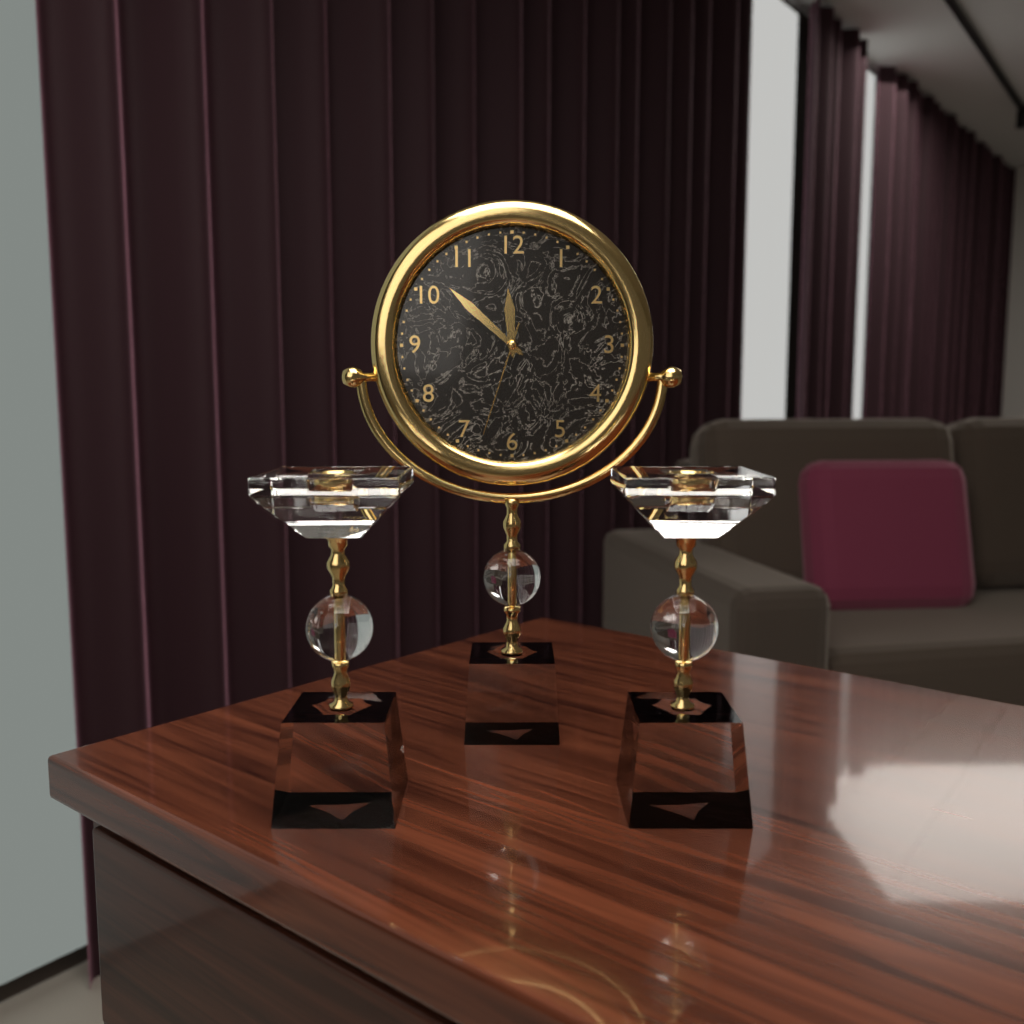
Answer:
11h52m33s
